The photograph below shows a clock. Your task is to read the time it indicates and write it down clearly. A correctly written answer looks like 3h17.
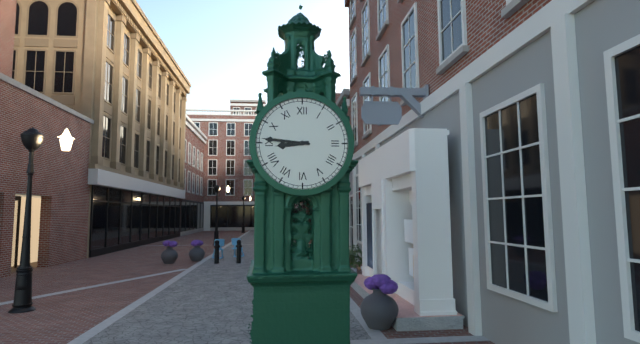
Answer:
8h46
